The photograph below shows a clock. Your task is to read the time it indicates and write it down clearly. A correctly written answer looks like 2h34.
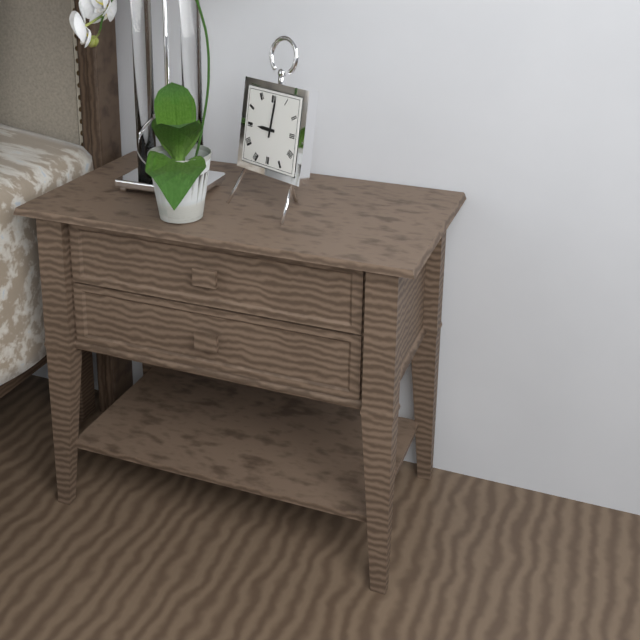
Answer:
9h01
